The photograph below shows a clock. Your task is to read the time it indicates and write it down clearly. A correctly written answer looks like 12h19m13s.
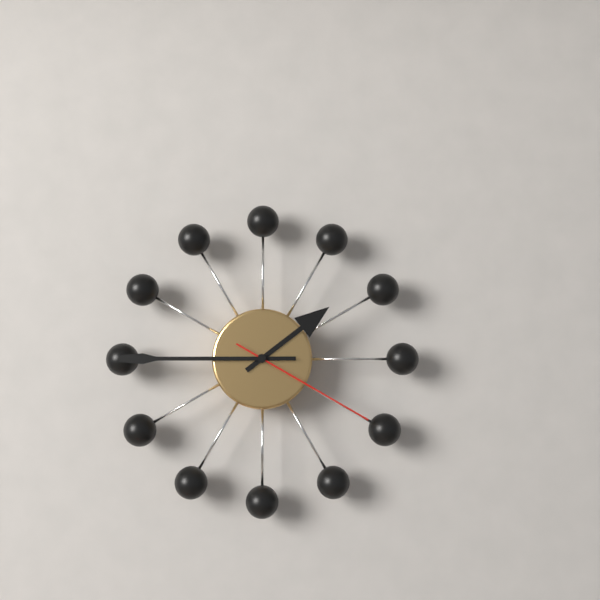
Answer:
1h45m20s
